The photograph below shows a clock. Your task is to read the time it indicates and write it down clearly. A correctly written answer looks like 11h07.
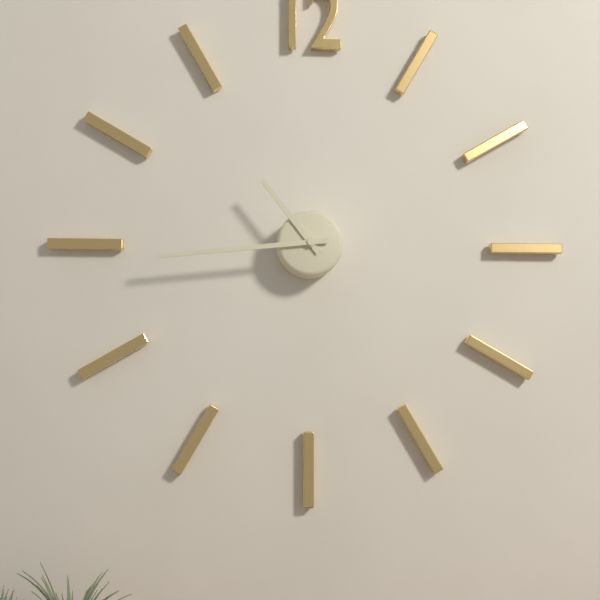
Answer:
10h44
